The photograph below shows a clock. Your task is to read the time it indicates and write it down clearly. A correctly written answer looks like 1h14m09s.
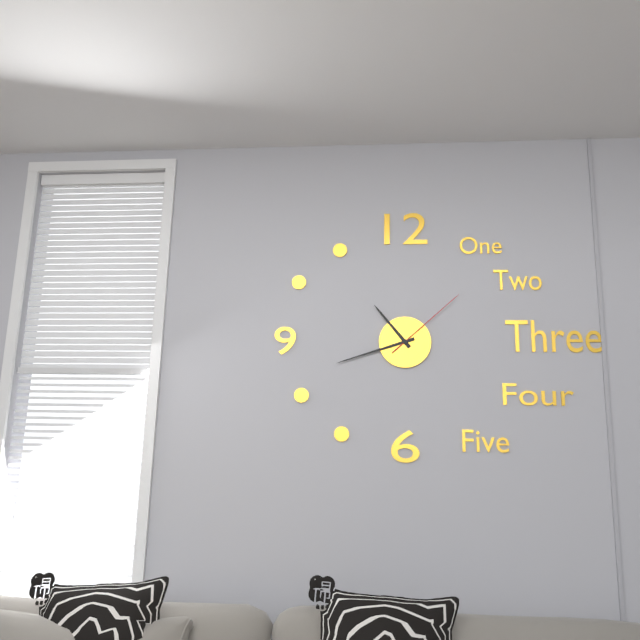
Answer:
10h42m08s
